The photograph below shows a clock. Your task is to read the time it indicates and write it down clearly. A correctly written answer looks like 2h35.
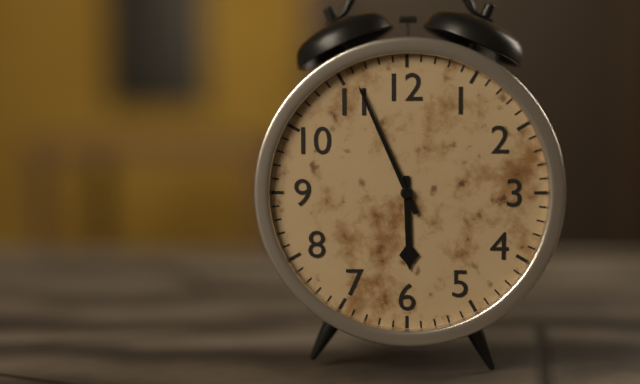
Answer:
5h56
